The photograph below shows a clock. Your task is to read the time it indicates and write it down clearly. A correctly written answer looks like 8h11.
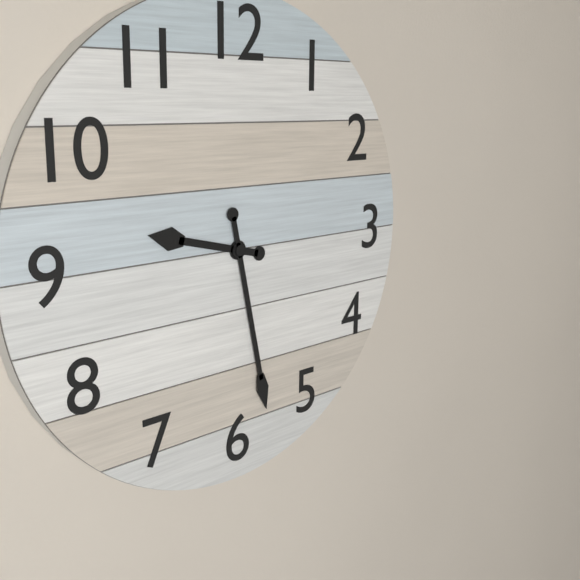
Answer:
9h28
